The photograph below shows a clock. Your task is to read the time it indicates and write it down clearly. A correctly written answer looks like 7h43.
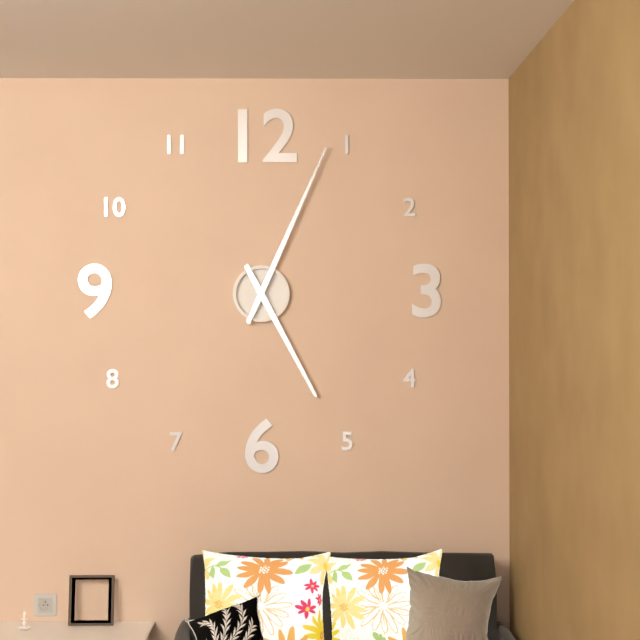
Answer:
5h04
